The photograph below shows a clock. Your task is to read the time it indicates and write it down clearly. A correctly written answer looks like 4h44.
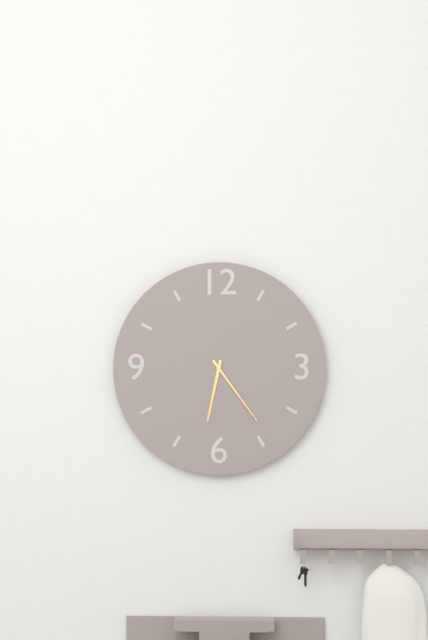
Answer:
6h24
